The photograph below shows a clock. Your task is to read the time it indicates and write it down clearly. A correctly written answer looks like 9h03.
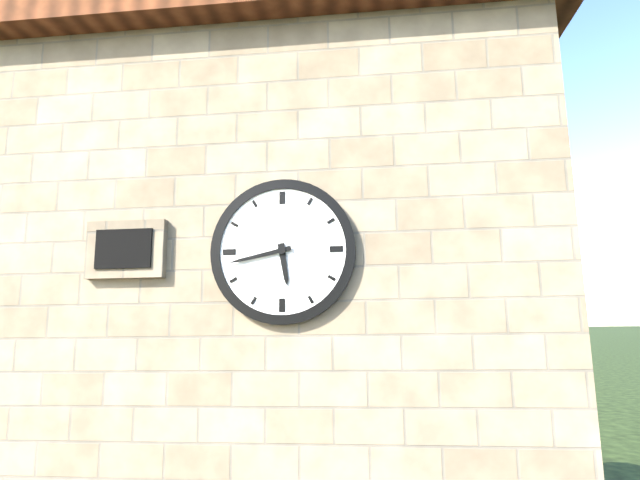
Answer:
5h43
